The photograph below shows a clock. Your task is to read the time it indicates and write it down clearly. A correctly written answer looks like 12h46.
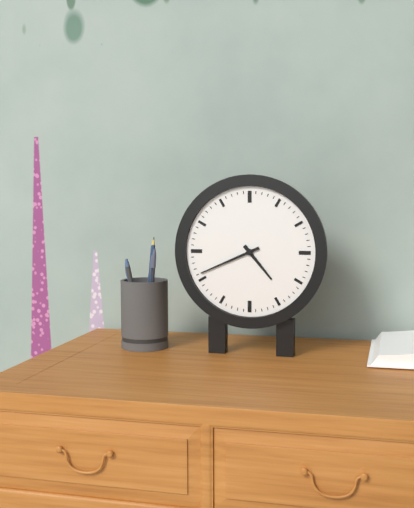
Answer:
4h41
